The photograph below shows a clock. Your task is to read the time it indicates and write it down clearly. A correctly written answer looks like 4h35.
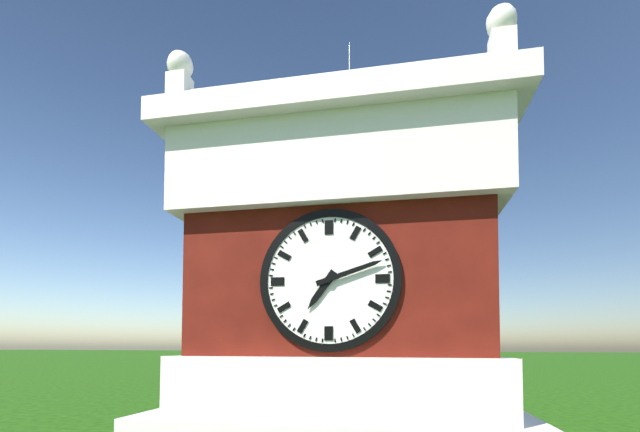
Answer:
7h12
